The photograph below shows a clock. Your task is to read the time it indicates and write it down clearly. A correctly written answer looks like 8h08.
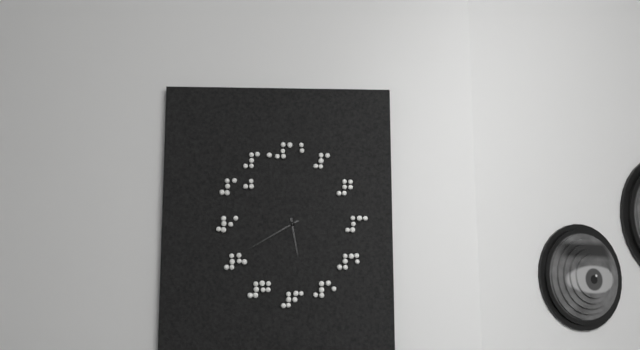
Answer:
5h40
